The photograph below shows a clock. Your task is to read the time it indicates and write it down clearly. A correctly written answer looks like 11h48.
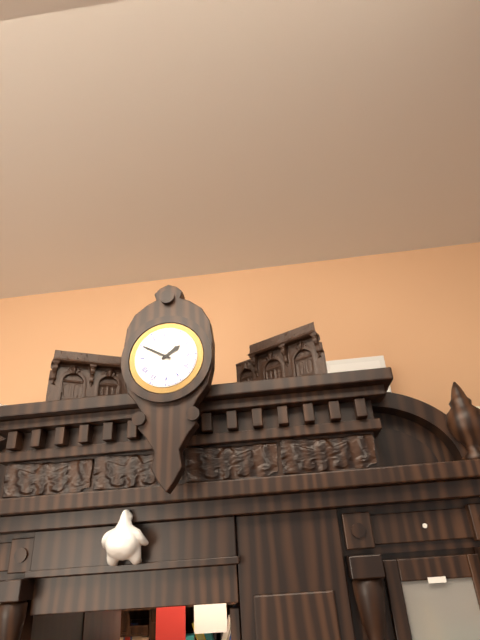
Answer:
1h50
